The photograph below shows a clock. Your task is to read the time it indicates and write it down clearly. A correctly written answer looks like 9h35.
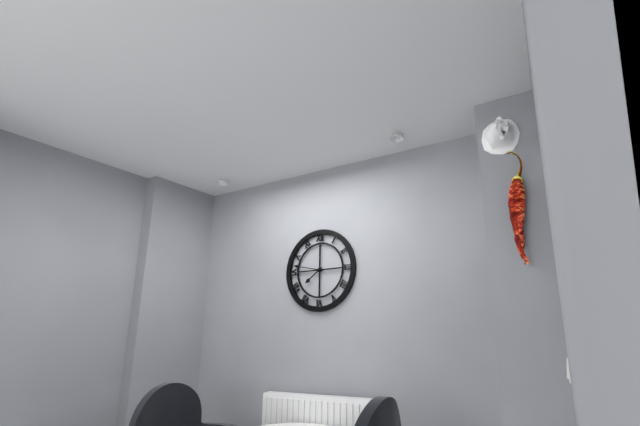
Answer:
7h47
